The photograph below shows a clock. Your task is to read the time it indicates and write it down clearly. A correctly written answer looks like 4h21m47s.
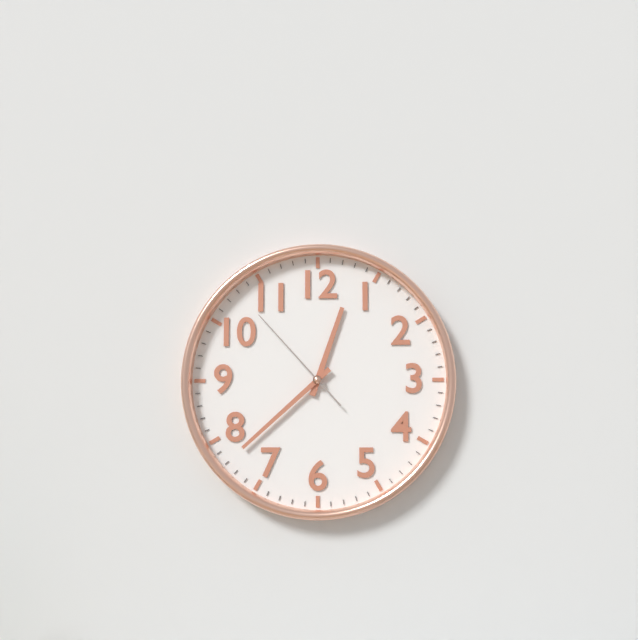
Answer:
12h38m53s
